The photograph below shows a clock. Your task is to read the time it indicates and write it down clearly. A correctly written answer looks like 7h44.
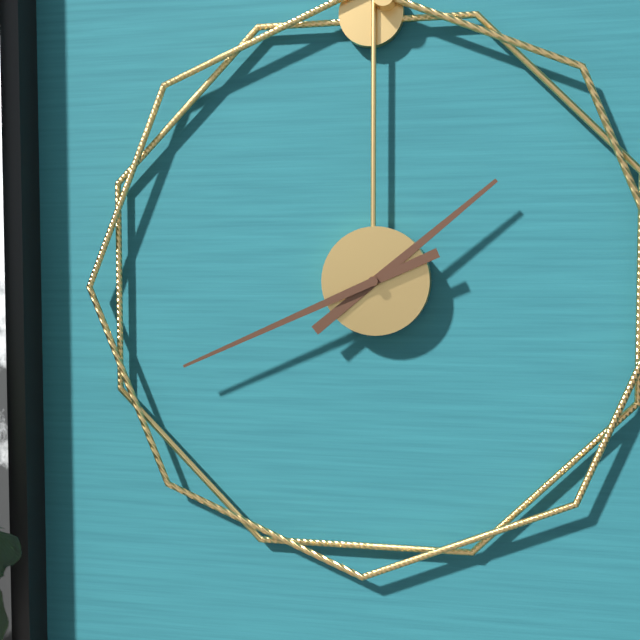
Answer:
1h41
